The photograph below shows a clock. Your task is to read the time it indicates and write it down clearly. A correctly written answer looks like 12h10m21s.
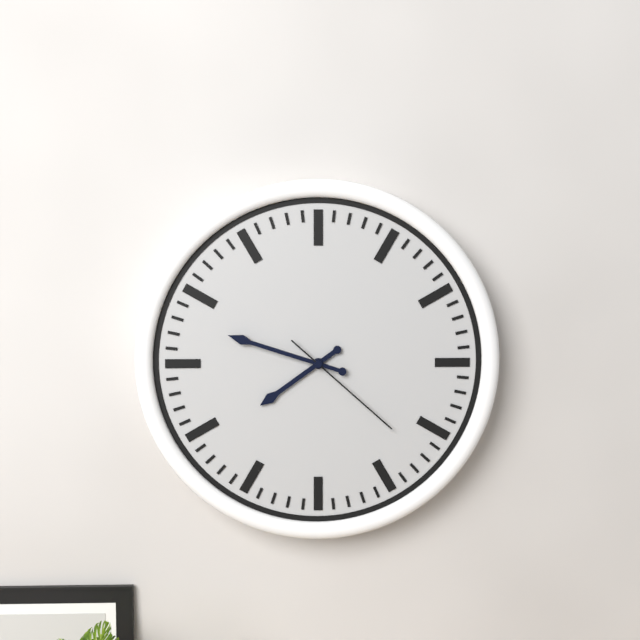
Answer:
7h48m22s
